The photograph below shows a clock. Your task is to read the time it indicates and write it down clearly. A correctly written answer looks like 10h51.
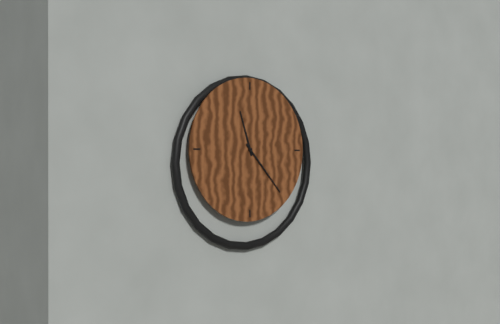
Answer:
11h23
